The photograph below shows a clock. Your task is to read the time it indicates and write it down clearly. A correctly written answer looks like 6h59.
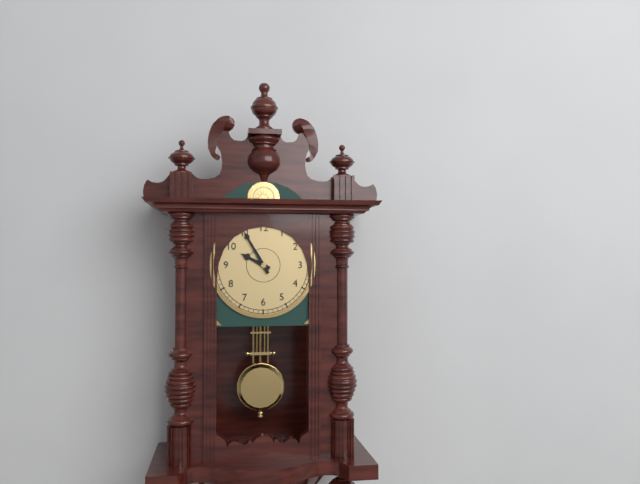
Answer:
9h55
